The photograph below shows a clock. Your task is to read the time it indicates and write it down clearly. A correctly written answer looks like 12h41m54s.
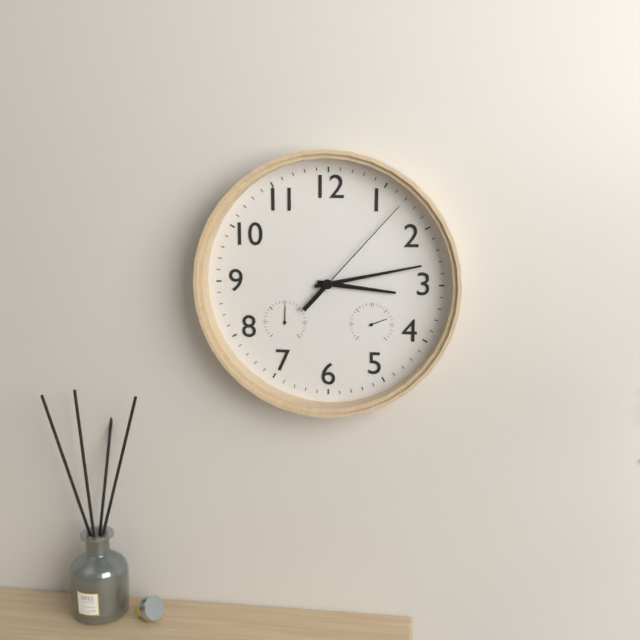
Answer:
3h13m07s
